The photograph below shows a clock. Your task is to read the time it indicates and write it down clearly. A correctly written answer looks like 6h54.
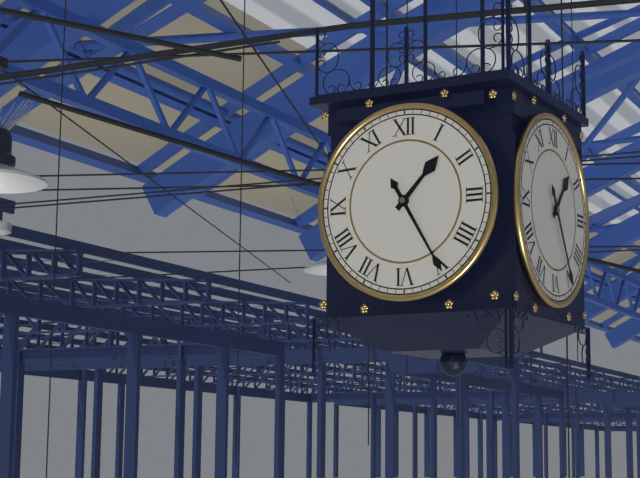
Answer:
1h25
